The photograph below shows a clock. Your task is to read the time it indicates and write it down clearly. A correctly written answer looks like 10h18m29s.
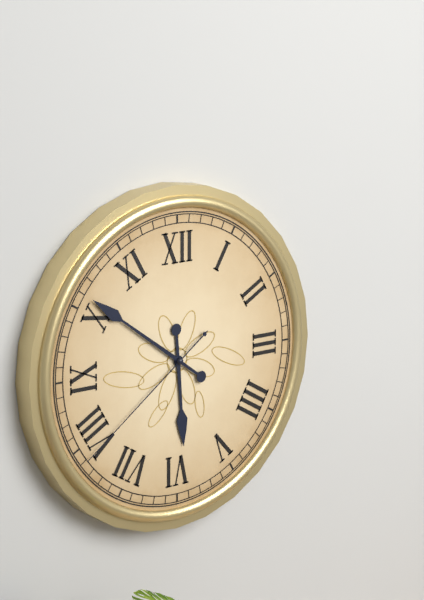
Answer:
5h51m39s
